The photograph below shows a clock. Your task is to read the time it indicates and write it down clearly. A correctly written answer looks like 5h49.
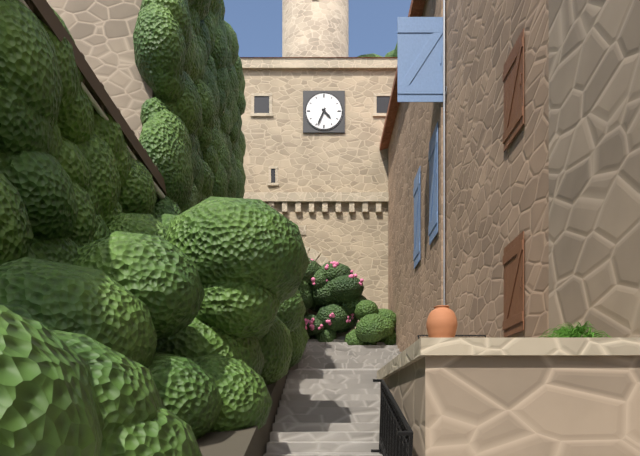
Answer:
4h34
